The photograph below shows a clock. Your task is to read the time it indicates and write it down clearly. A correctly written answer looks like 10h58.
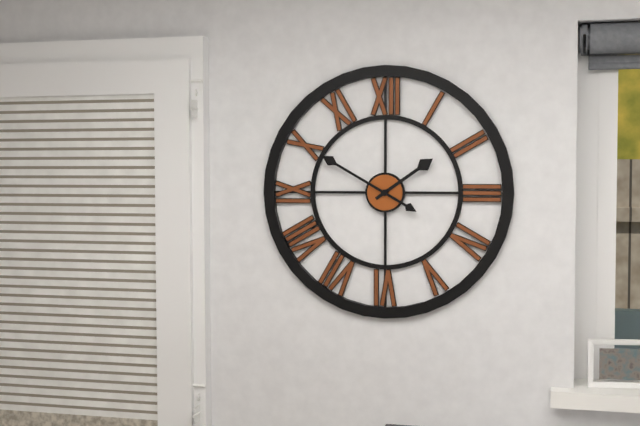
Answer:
1h50
